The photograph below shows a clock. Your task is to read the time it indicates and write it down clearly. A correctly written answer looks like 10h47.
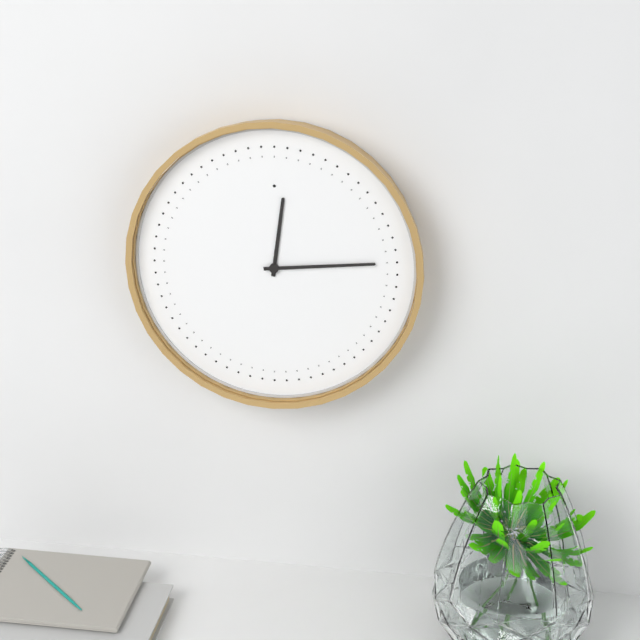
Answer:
12h14
